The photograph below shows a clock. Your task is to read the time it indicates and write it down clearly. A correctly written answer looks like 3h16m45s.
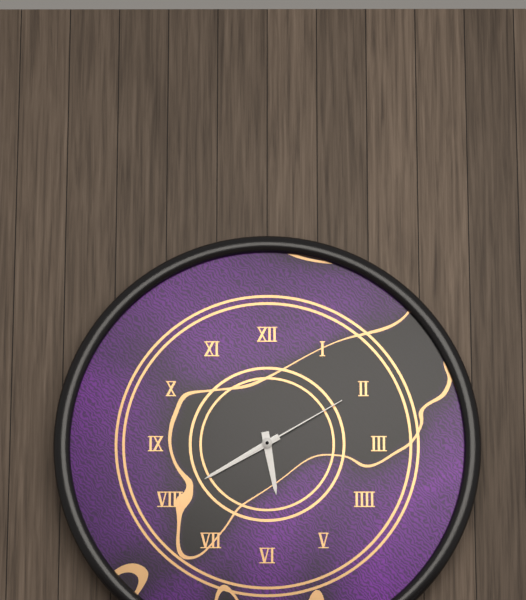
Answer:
5h40m10s
